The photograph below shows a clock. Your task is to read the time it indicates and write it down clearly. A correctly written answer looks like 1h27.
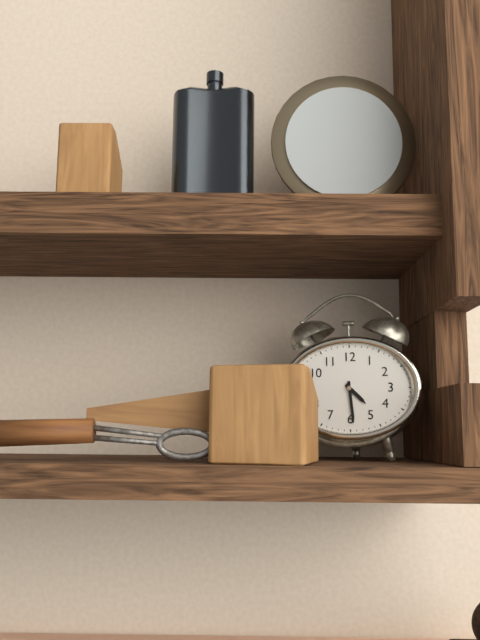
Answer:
4h29
